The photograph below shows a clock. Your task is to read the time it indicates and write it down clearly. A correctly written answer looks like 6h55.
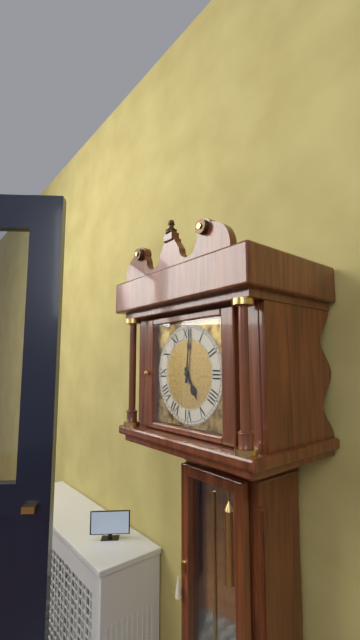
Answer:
5h01
